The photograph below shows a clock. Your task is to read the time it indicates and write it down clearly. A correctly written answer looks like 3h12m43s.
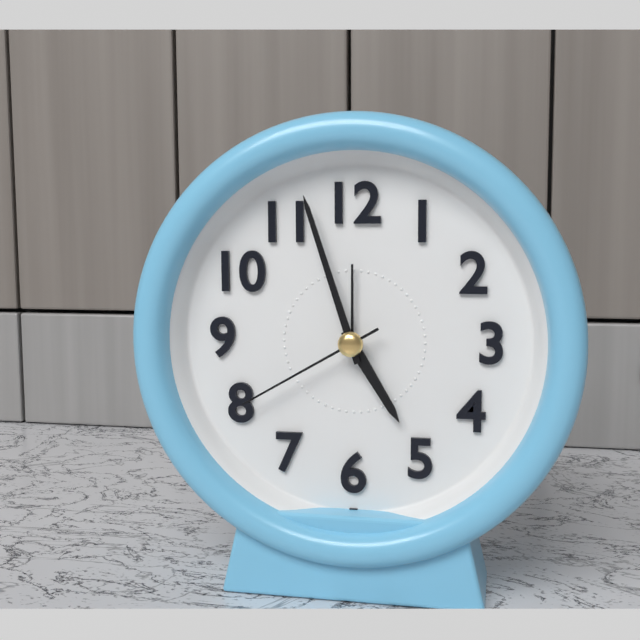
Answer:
4h57m40s
